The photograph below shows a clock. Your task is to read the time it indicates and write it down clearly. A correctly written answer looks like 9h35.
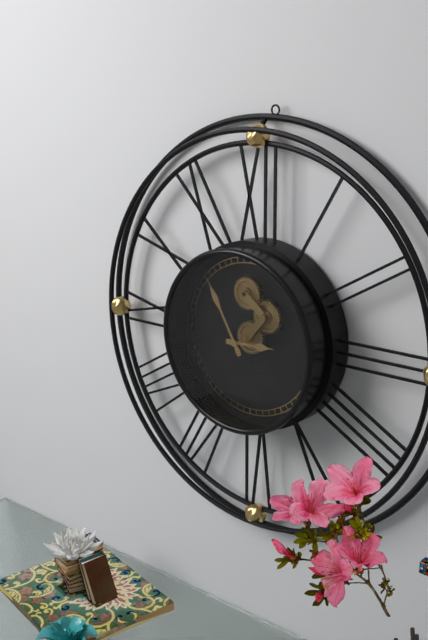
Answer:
2h55
